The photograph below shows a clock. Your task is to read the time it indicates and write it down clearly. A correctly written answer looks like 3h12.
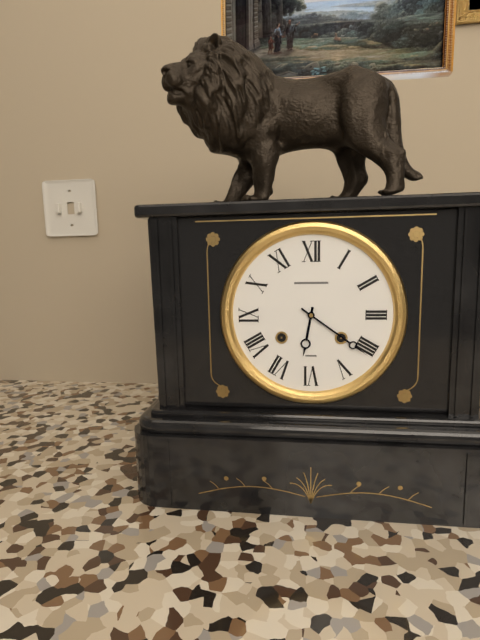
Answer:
6h21
